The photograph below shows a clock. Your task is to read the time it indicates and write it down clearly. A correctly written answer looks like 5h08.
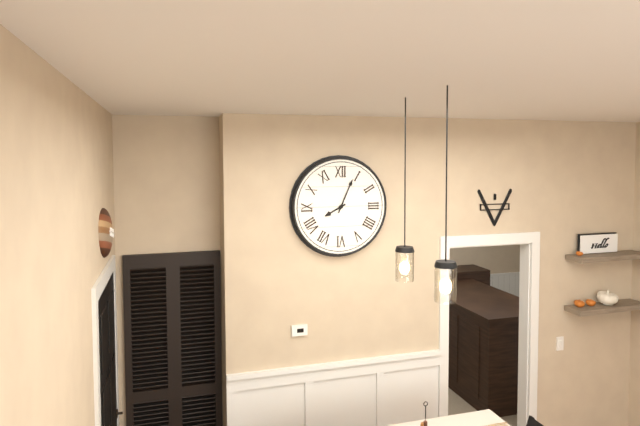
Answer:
8h04
